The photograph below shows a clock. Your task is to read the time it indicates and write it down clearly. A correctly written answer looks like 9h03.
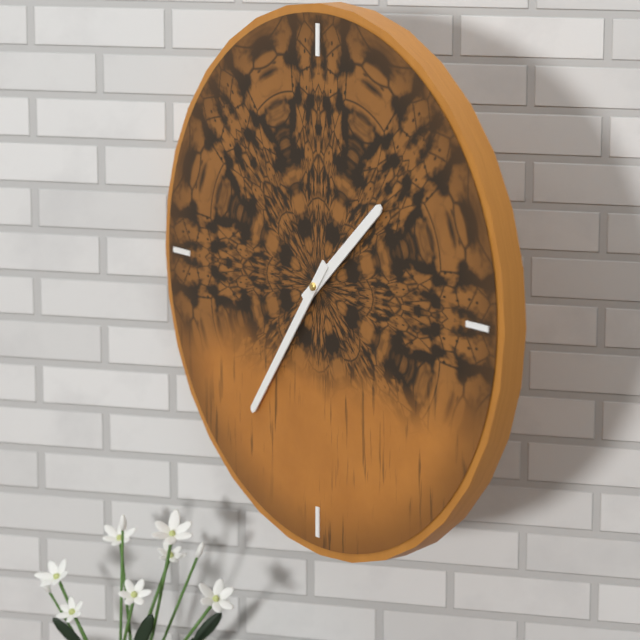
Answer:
1h36
